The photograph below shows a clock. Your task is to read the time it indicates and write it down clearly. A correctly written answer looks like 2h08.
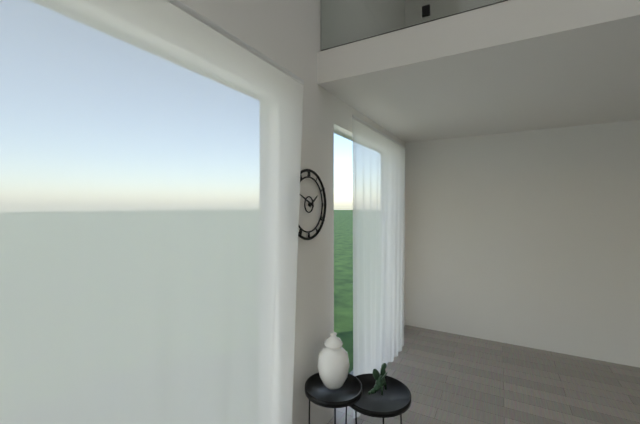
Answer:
1h49
